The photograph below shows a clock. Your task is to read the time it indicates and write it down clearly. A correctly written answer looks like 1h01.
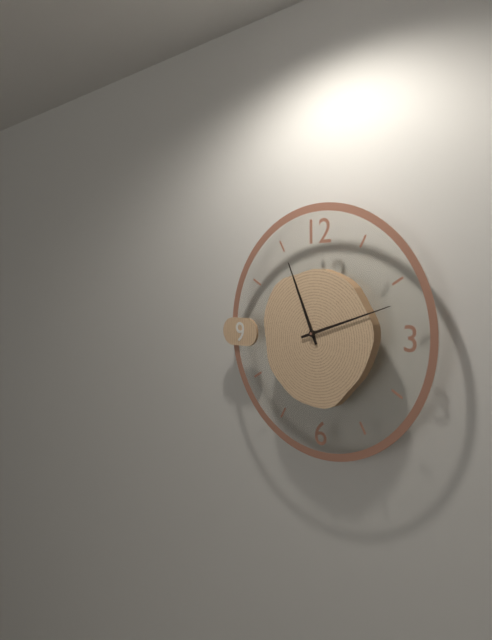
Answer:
11h12
